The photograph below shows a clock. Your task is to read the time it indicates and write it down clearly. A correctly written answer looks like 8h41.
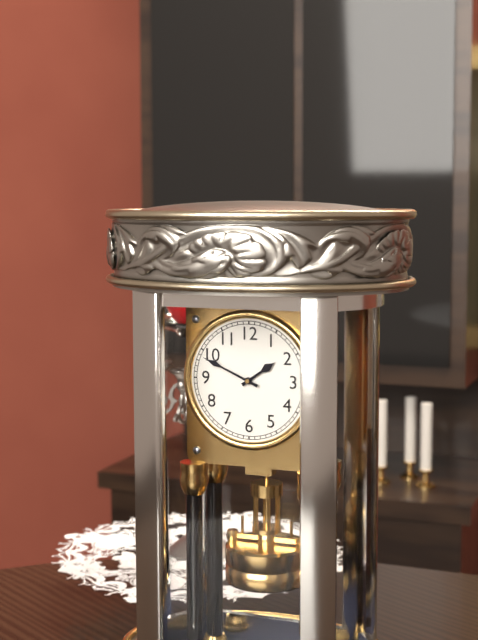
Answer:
1h49
